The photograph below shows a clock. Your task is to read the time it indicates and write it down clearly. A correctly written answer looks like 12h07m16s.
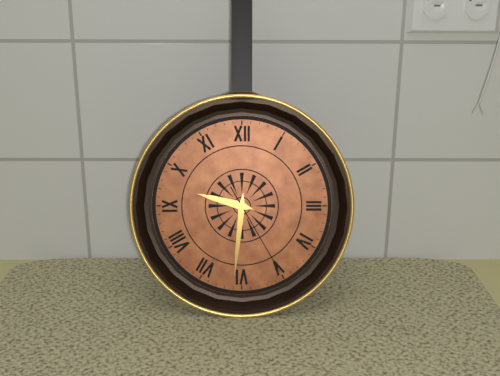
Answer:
9h31m25s
